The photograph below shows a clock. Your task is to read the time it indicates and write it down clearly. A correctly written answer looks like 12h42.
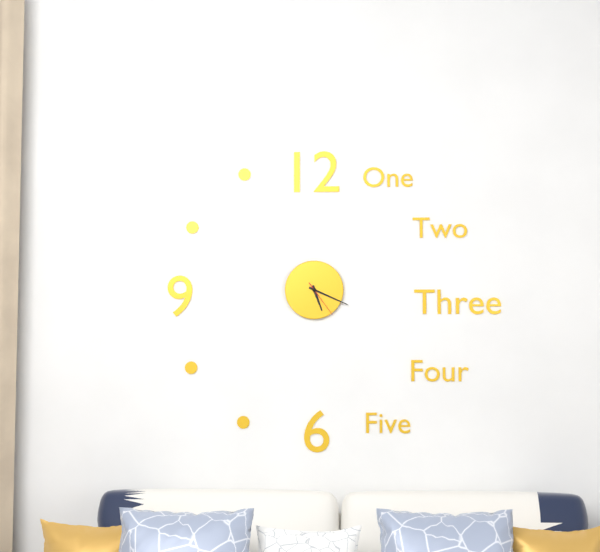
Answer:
5h19
